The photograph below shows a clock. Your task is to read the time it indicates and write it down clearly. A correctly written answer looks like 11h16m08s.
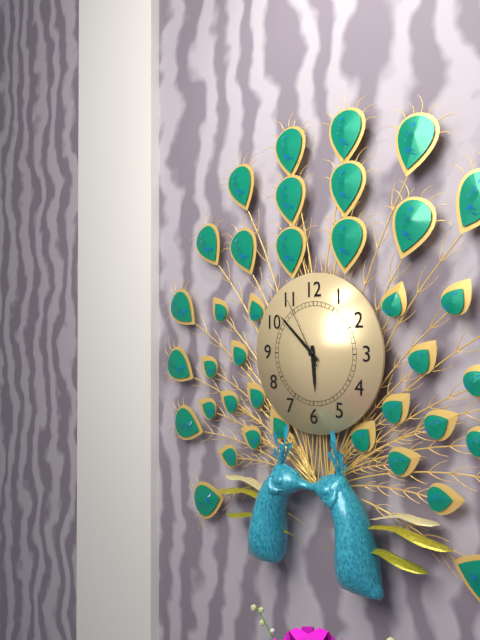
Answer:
5h52m55s
